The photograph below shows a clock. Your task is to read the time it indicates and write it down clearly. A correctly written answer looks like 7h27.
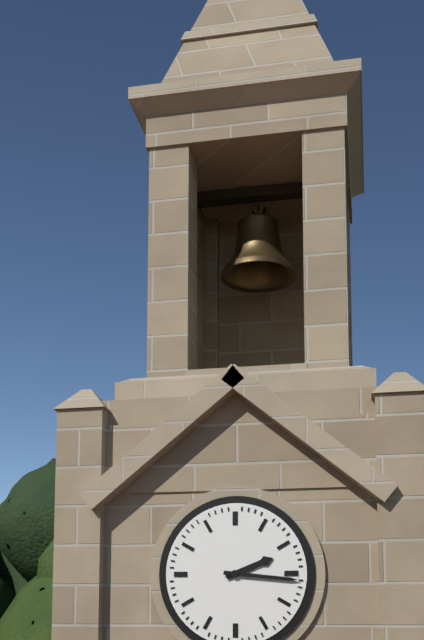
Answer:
2h16
